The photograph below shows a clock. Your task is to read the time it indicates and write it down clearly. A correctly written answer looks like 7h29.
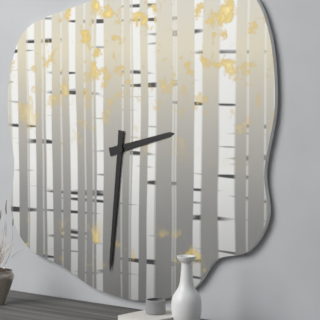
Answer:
2h31
